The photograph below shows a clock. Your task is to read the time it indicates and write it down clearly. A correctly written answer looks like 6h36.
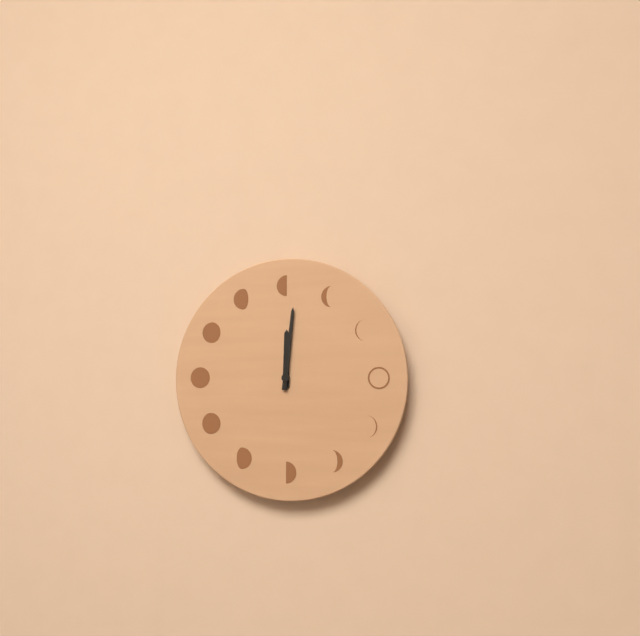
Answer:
12h01
